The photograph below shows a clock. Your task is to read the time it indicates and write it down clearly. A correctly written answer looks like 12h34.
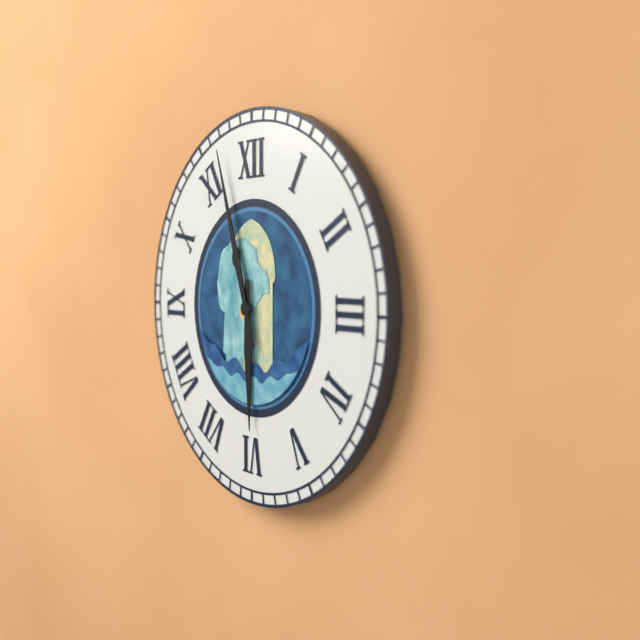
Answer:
5h57
